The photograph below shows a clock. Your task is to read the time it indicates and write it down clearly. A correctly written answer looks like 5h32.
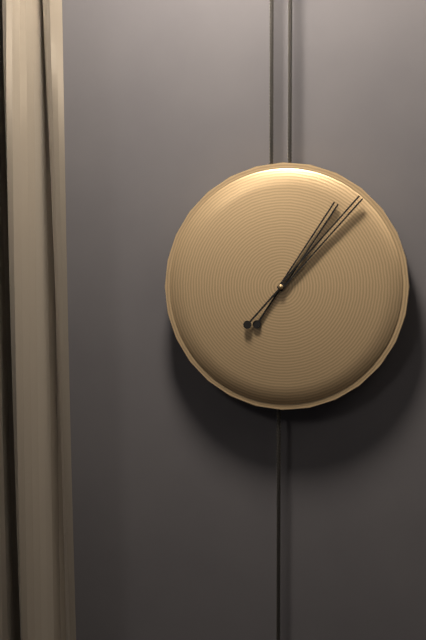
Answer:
1h07
